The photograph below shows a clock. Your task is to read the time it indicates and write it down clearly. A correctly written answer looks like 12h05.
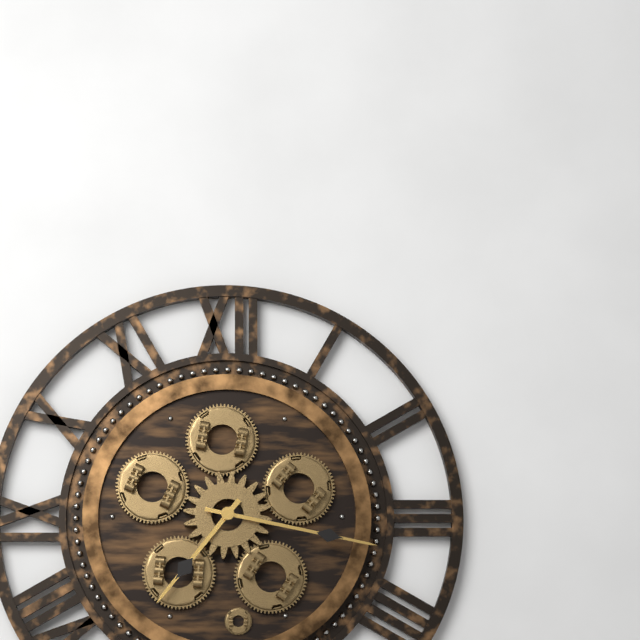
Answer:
7h17
